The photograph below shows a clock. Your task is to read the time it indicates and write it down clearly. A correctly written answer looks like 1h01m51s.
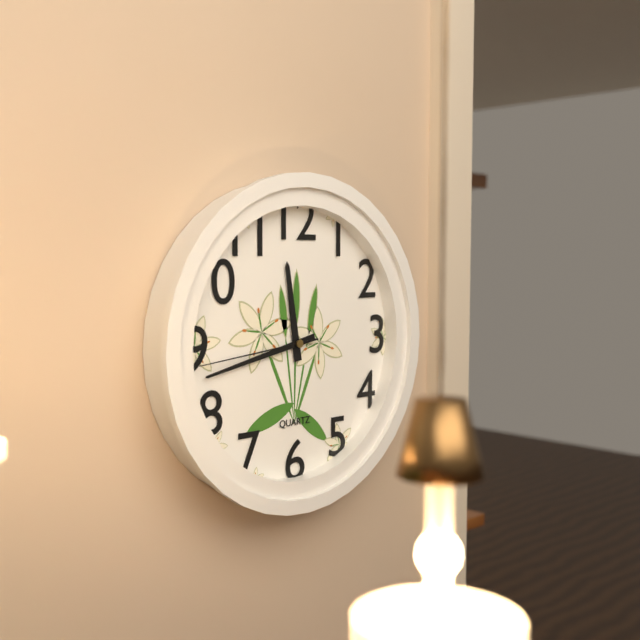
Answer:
11h43m44s
